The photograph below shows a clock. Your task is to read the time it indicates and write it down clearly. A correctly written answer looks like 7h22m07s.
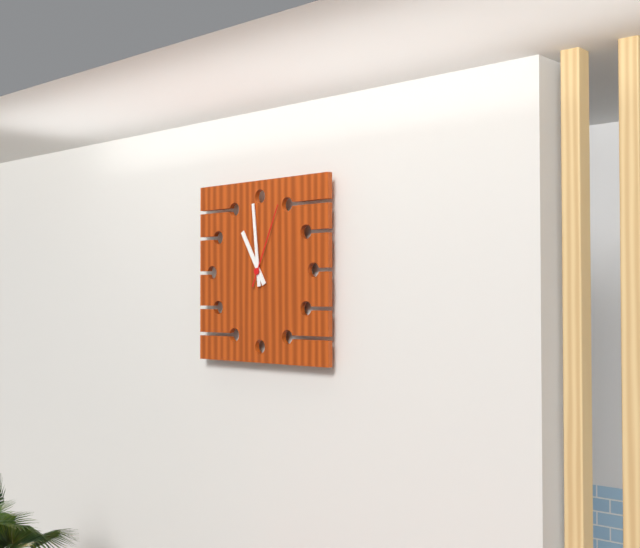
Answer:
10h59m04s
